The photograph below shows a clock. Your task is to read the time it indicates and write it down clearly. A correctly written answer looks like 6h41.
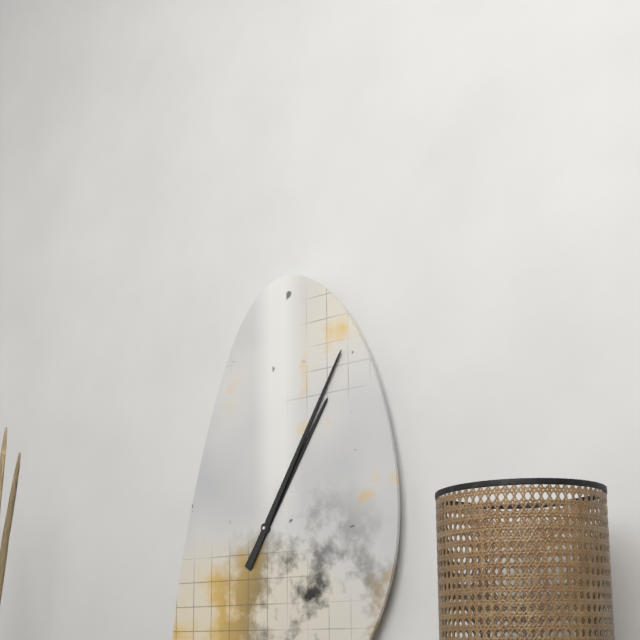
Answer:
1h05
